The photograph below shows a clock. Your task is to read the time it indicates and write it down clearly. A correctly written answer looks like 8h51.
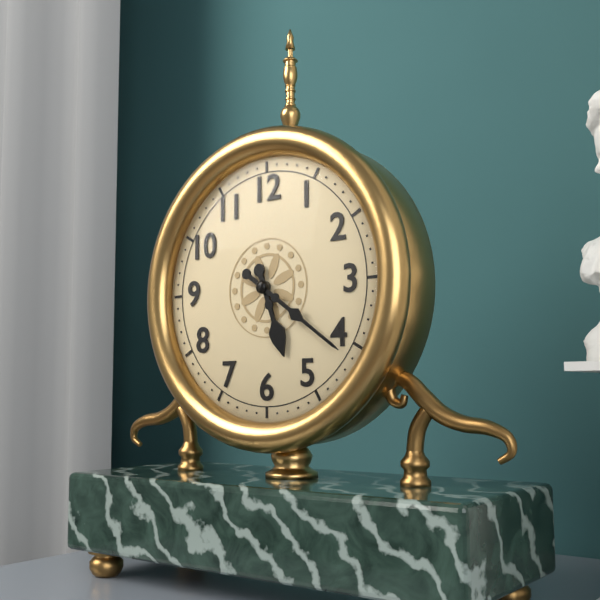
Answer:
5h21
